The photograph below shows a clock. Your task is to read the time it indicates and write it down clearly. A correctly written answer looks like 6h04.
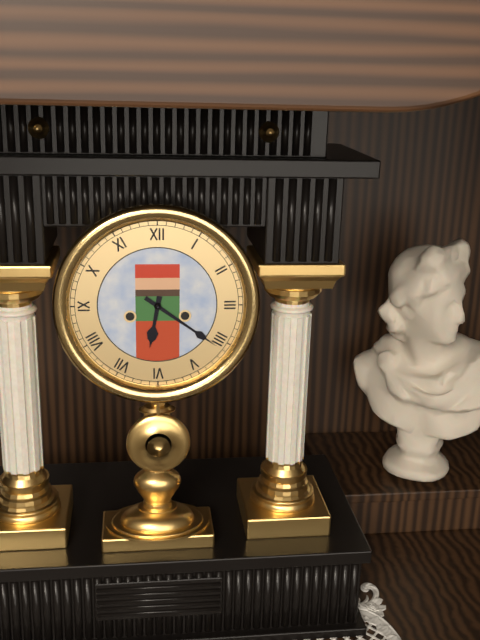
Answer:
6h21
